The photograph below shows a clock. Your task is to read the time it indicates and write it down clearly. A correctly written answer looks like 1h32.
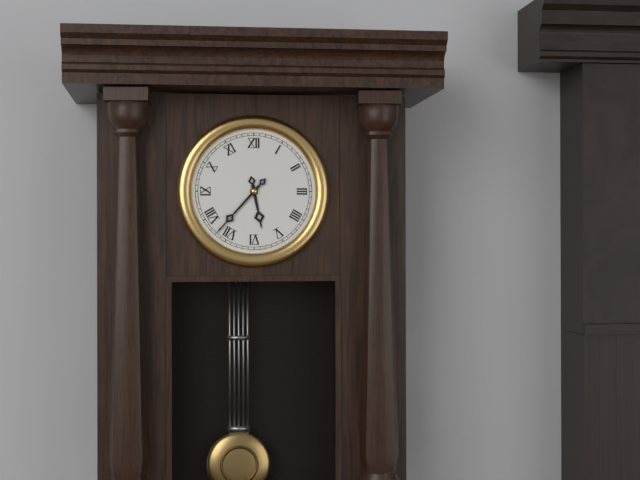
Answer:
5h37
